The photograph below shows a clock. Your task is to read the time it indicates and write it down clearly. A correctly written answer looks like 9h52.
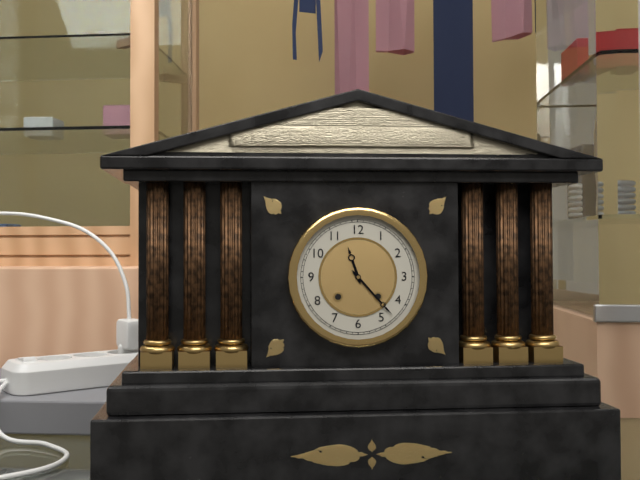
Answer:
11h23
